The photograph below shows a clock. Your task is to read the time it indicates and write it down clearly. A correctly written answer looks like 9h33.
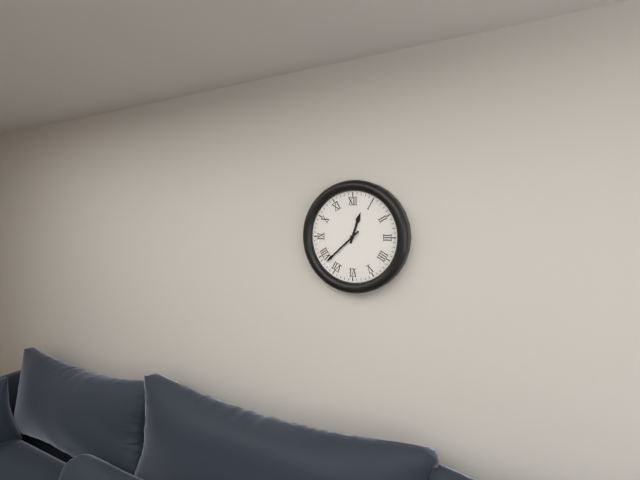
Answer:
12h38
